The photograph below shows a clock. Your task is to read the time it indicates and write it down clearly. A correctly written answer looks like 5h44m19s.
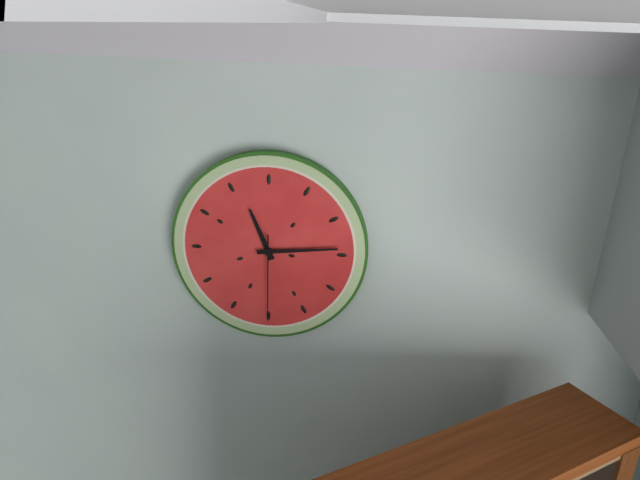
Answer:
11h14m30s
